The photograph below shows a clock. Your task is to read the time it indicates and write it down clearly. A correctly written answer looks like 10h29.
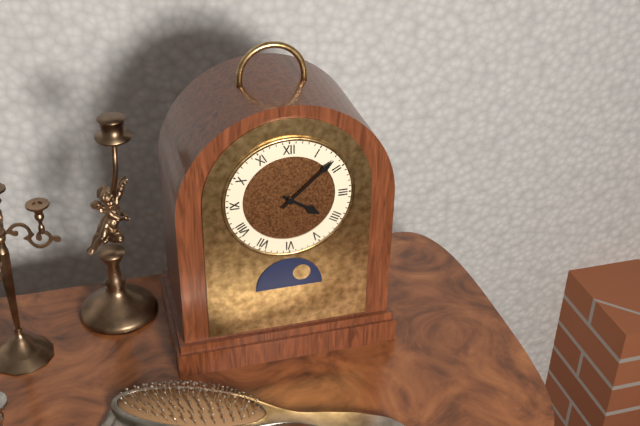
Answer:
4h08
